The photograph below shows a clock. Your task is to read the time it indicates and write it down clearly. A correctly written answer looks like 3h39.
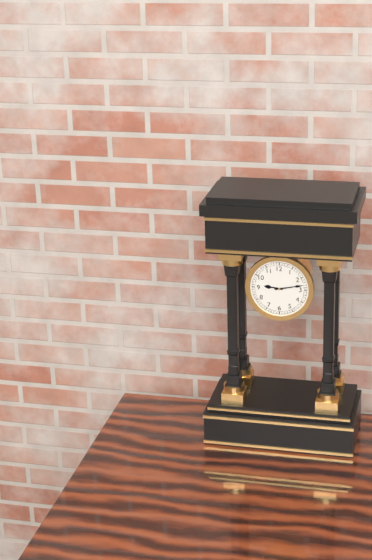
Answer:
9h13
